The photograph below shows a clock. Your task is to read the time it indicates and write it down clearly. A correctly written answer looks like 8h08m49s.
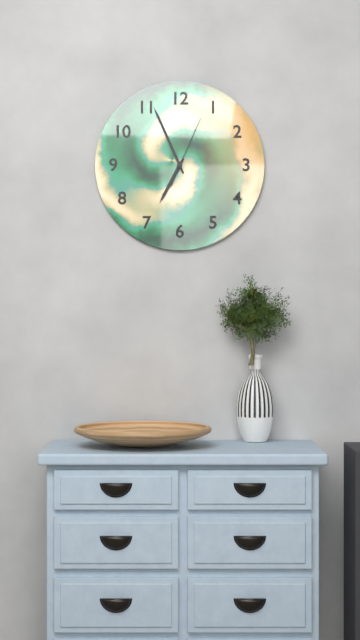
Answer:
6h56m04s
